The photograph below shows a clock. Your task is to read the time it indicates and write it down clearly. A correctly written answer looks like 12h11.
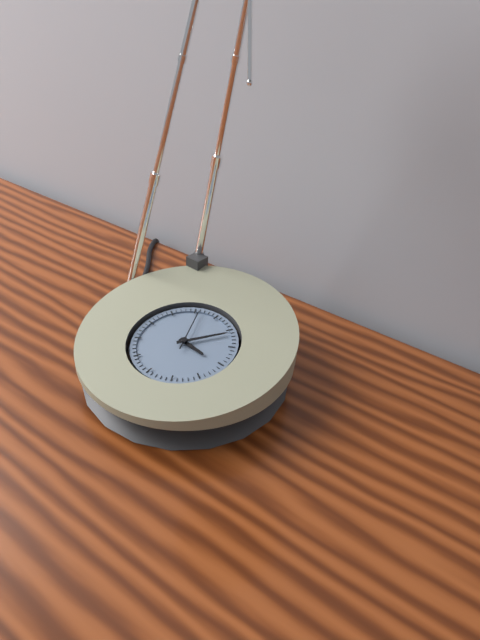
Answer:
3h06
